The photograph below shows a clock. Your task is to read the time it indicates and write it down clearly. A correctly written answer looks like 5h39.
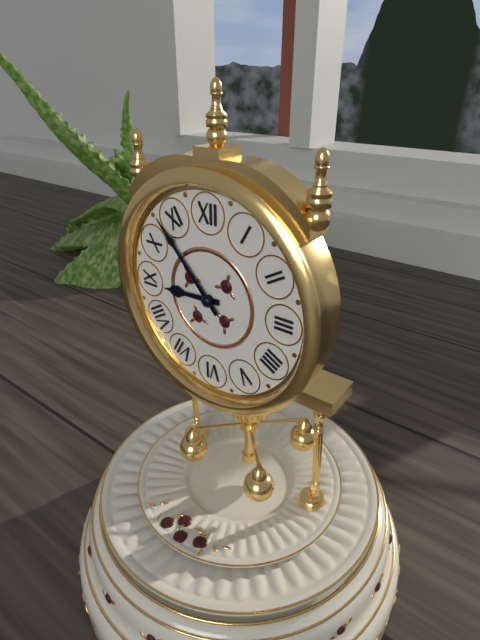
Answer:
8h53
